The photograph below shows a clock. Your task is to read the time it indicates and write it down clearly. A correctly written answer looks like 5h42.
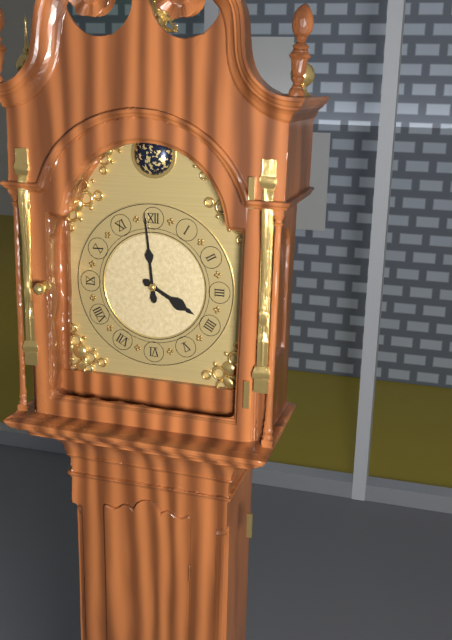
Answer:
3h59
